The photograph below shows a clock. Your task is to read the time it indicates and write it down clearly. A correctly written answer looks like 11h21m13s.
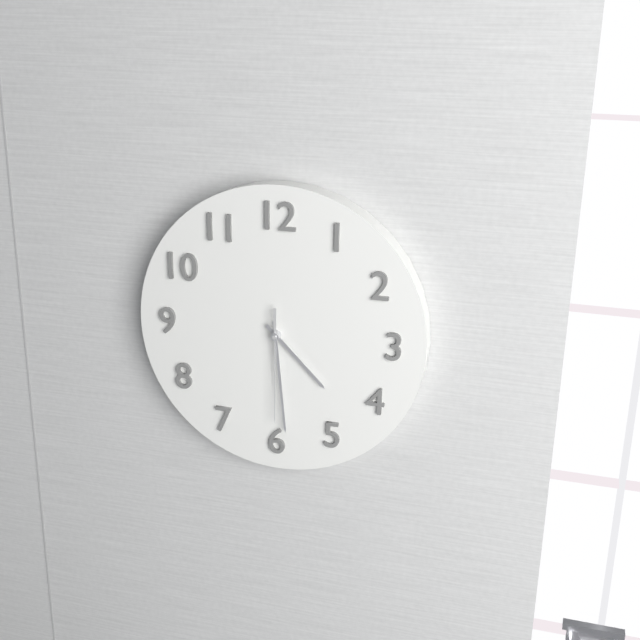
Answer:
4h29m30s
